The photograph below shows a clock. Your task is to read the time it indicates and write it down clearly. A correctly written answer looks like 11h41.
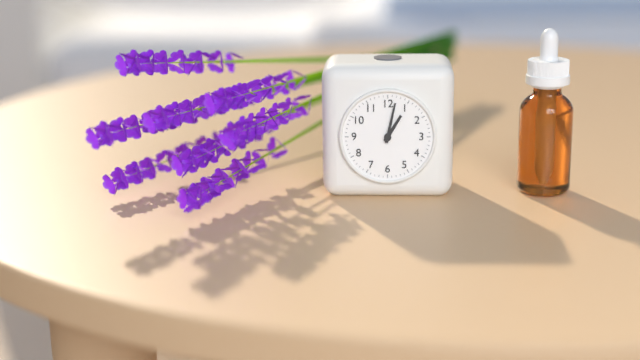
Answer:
1h02
